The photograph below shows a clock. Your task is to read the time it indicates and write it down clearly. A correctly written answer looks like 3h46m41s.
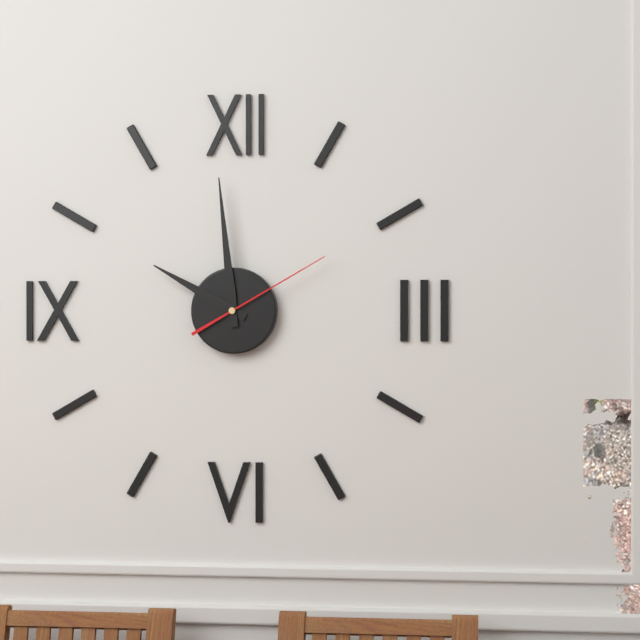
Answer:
9h59m10s
